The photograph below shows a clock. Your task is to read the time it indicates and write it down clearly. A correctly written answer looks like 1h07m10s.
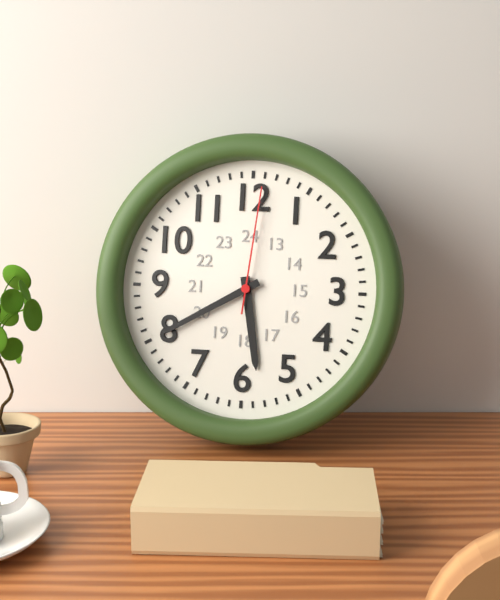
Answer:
5h40m01s
